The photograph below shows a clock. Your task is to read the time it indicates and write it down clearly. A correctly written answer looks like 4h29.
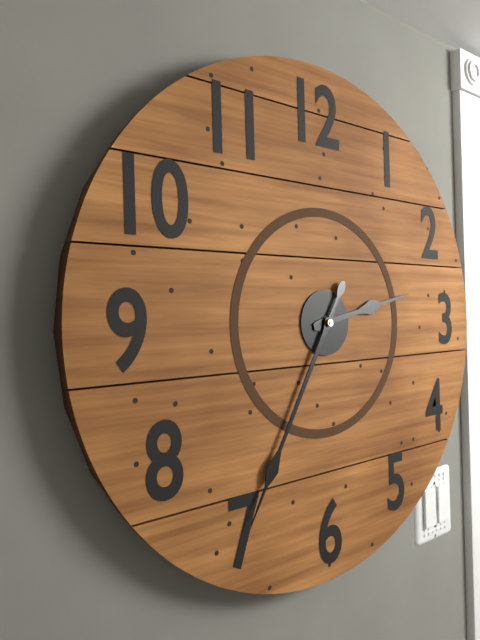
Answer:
2h35
